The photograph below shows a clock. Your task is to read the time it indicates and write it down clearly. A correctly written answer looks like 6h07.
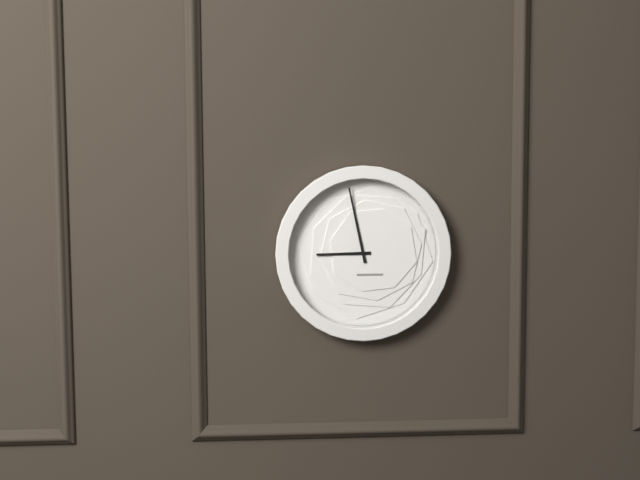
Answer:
8h58
